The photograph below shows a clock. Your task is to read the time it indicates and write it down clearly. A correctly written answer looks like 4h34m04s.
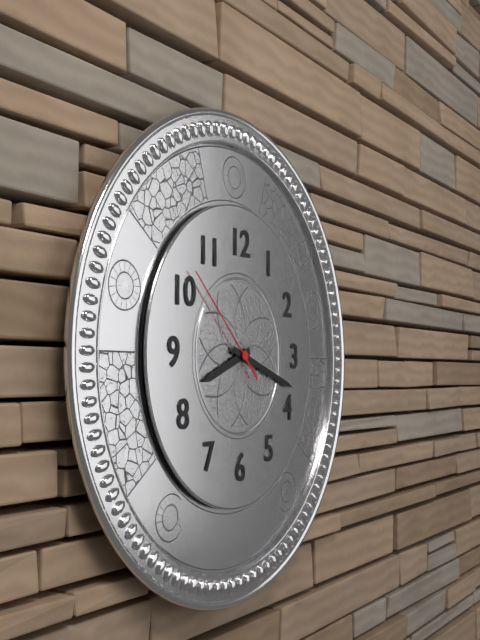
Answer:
8h18m52s
